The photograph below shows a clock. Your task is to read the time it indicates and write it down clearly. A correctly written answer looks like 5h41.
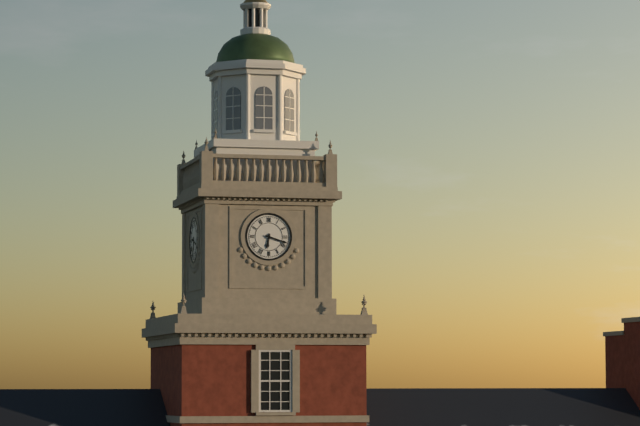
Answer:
6h18
